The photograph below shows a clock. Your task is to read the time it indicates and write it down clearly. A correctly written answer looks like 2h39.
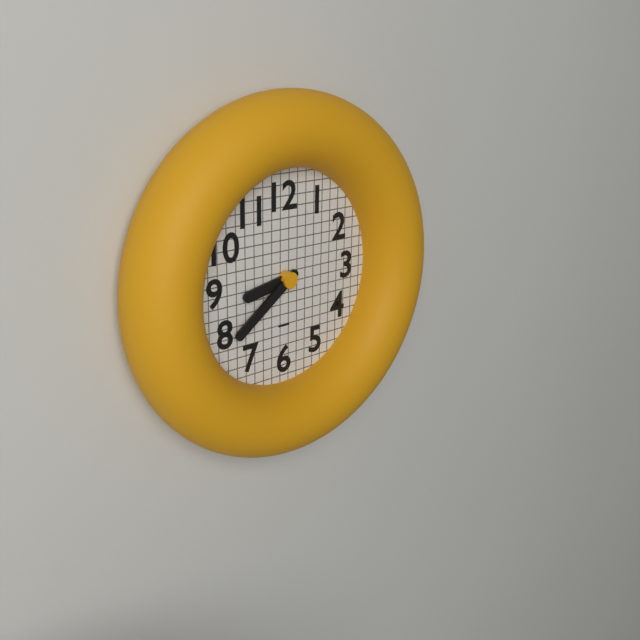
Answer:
8h39
